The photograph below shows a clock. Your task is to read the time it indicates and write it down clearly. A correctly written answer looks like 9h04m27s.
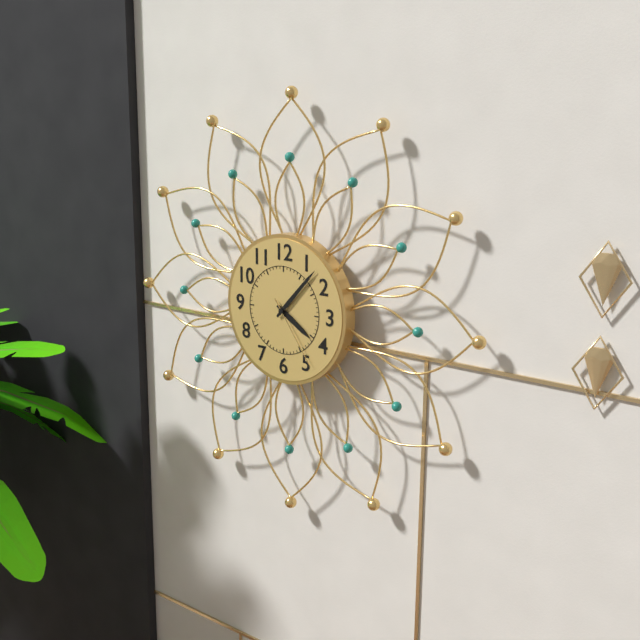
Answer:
4h07m24s
